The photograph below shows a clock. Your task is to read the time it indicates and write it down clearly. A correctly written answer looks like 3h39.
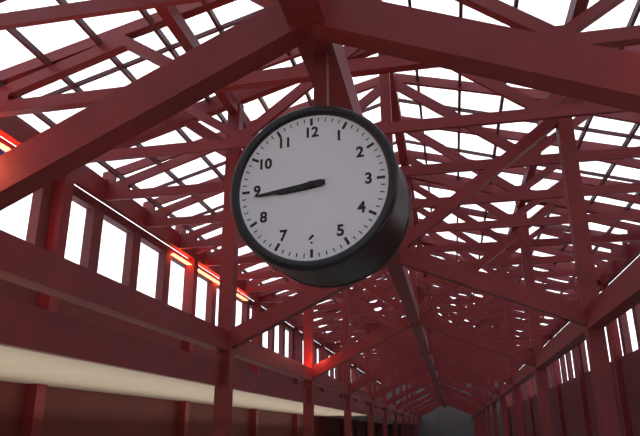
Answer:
8h44
